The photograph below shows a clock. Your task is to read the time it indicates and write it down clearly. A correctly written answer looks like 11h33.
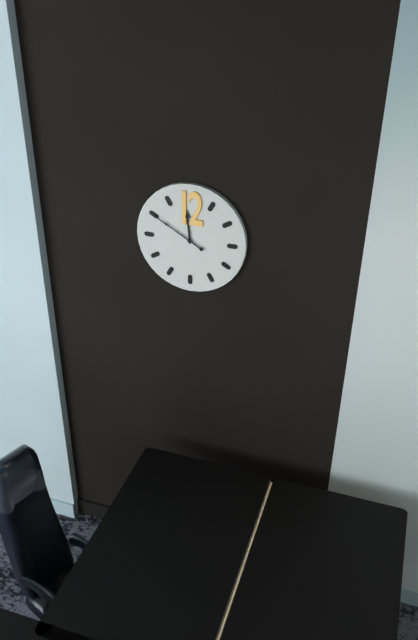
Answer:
11h50
